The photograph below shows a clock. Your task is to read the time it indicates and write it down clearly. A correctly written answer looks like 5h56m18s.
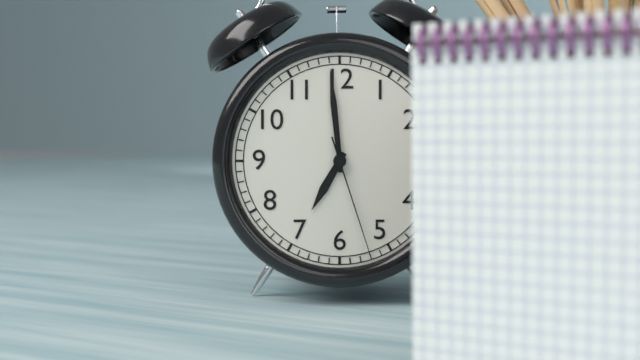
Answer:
6h59m27s
